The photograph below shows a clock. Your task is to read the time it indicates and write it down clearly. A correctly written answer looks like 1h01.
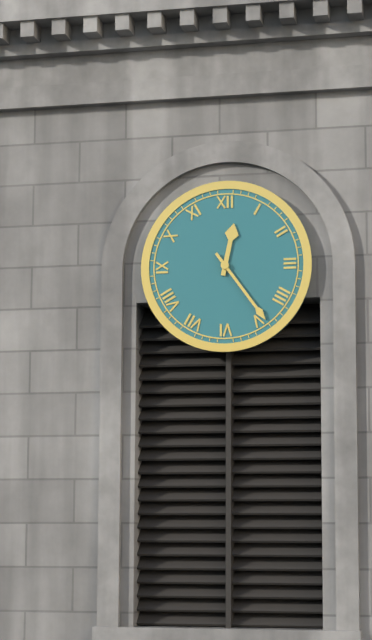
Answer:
12h24
